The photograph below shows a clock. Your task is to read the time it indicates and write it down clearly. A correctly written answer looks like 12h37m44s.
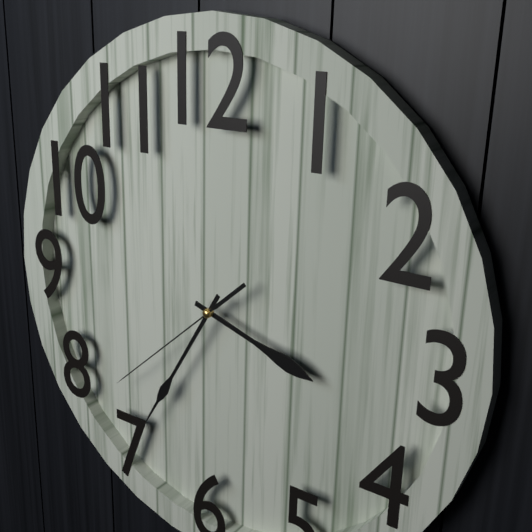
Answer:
3h35m38s
